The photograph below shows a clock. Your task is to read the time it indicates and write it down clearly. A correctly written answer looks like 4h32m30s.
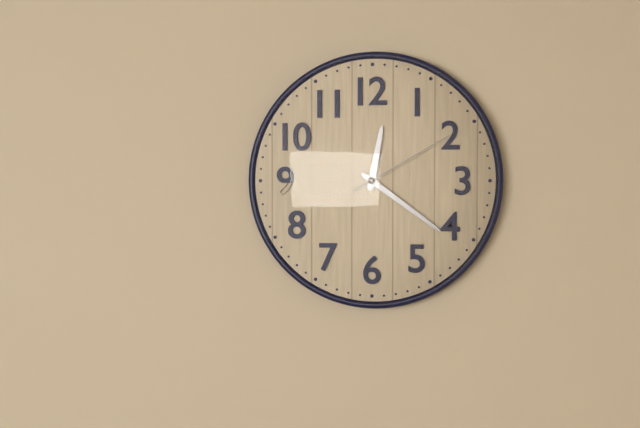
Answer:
12h21m10s
